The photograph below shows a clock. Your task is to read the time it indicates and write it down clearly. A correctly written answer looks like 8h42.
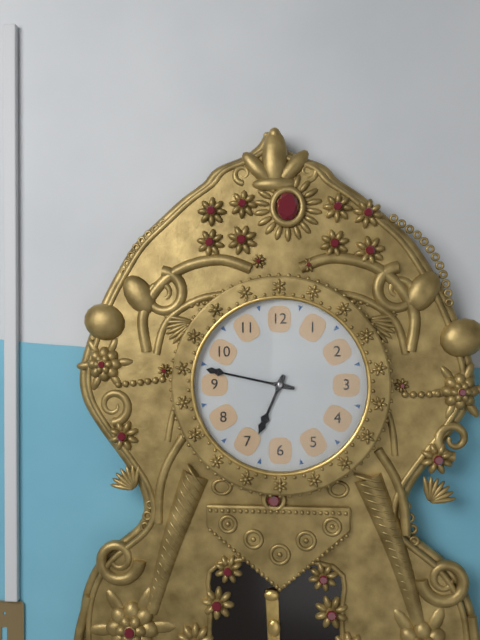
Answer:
6h47
